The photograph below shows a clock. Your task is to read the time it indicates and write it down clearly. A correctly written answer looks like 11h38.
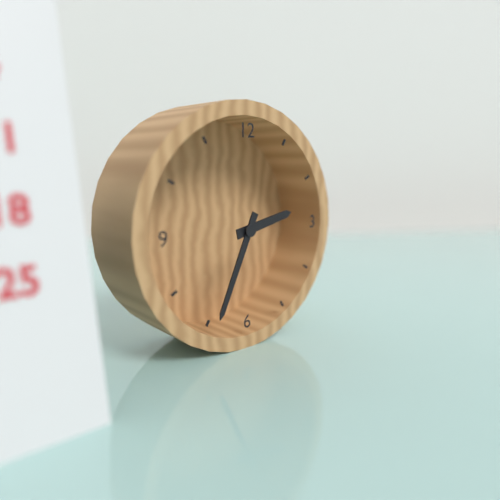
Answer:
2h34
